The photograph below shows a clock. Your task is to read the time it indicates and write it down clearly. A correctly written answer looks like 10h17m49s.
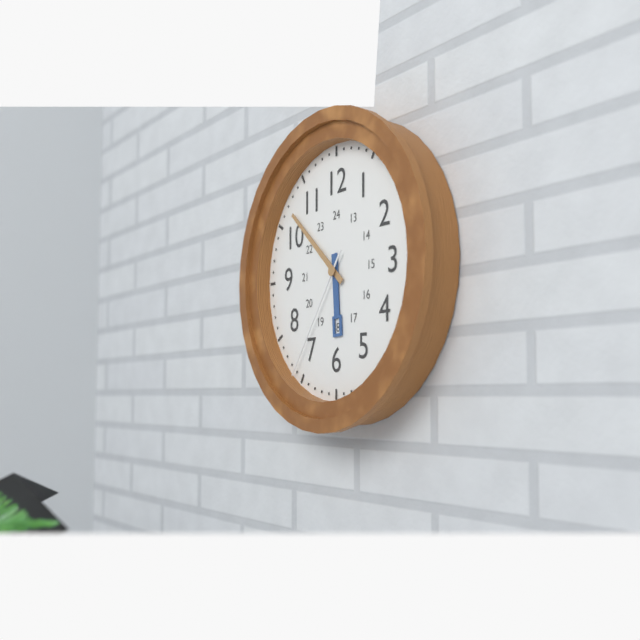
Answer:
5h52m36s
